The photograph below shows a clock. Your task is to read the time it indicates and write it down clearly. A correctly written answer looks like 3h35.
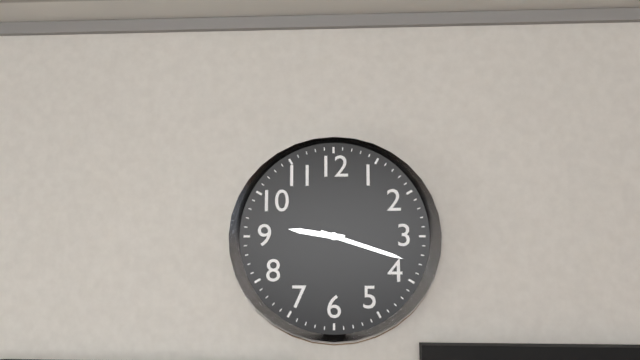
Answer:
9h18
